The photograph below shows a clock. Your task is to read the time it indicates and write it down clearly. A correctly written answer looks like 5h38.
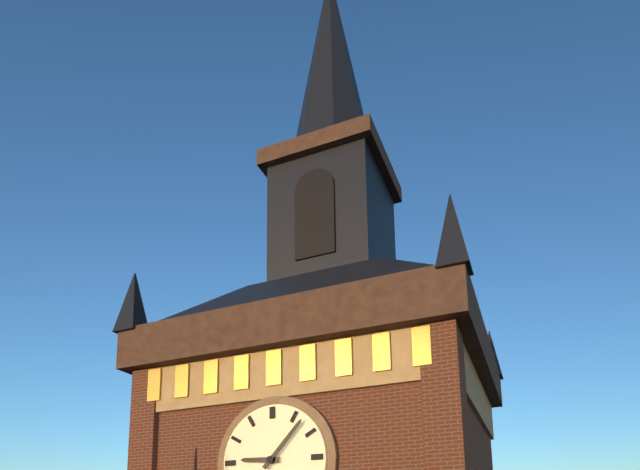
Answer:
9h07
